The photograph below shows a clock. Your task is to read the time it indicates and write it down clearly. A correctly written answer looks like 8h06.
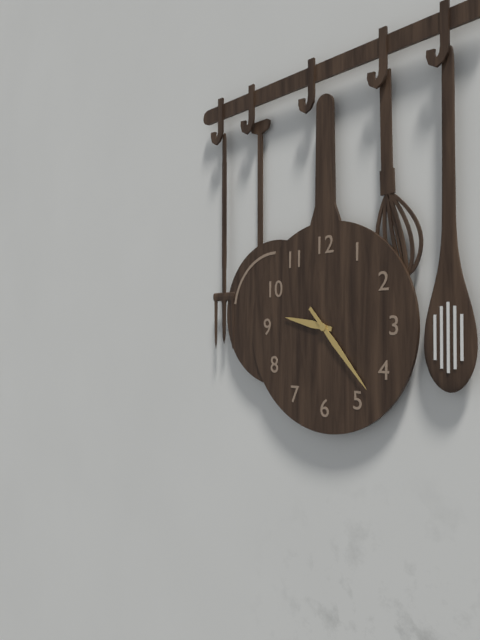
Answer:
9h23
